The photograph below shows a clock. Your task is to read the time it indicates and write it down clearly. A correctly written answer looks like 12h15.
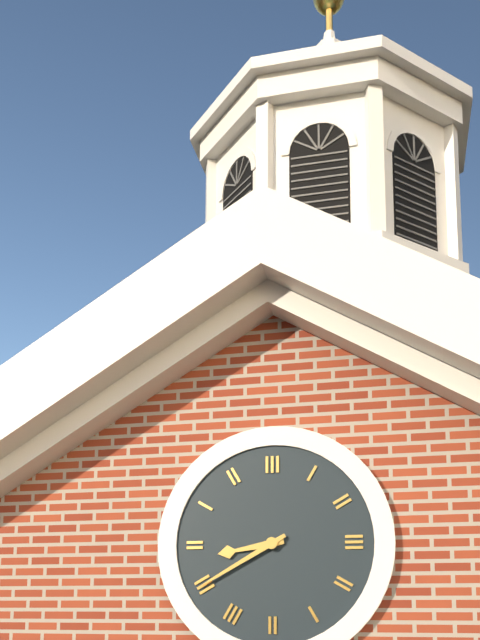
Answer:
8h40
